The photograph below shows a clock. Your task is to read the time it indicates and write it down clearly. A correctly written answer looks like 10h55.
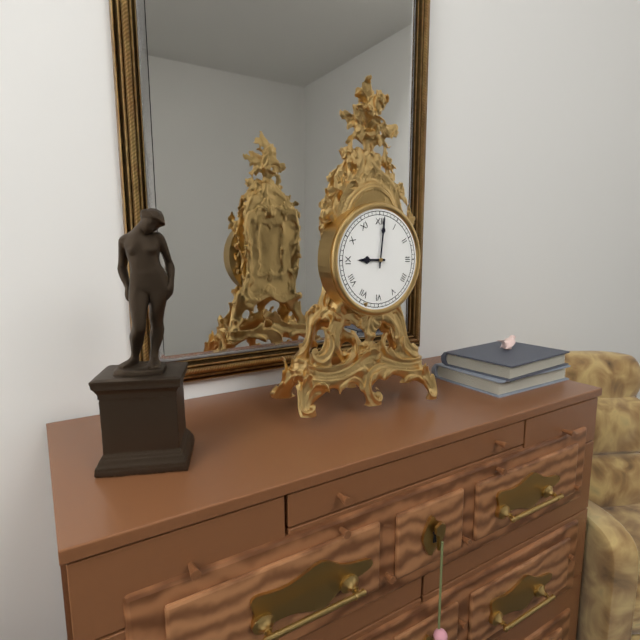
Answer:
9h01
